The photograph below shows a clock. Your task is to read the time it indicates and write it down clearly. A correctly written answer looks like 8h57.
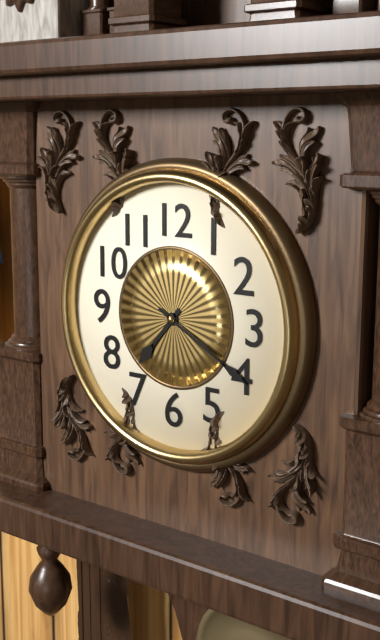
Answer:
7h20
